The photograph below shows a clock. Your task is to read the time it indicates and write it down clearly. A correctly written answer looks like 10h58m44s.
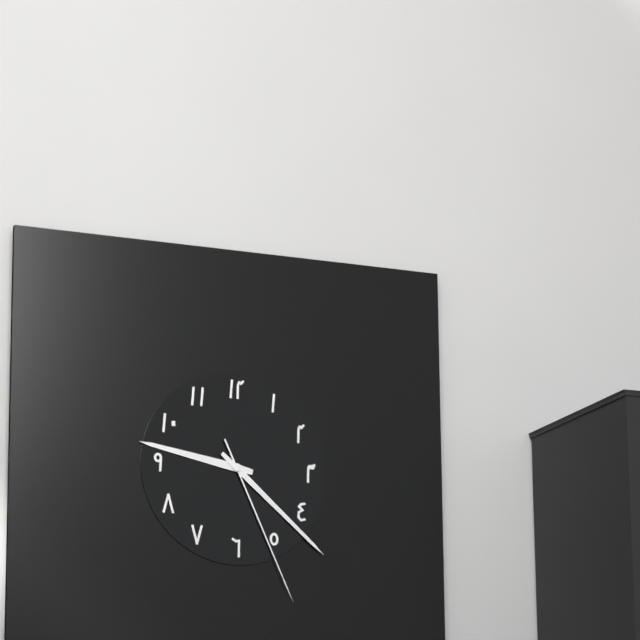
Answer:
9h22m26s
